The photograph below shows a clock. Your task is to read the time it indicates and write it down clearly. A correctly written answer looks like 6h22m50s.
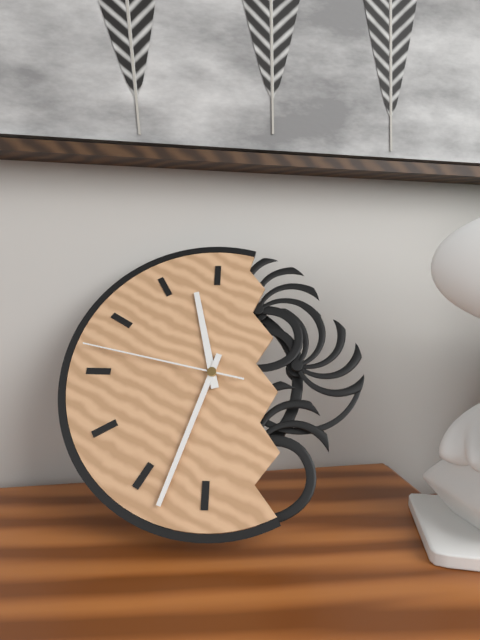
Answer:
11h33m47s
